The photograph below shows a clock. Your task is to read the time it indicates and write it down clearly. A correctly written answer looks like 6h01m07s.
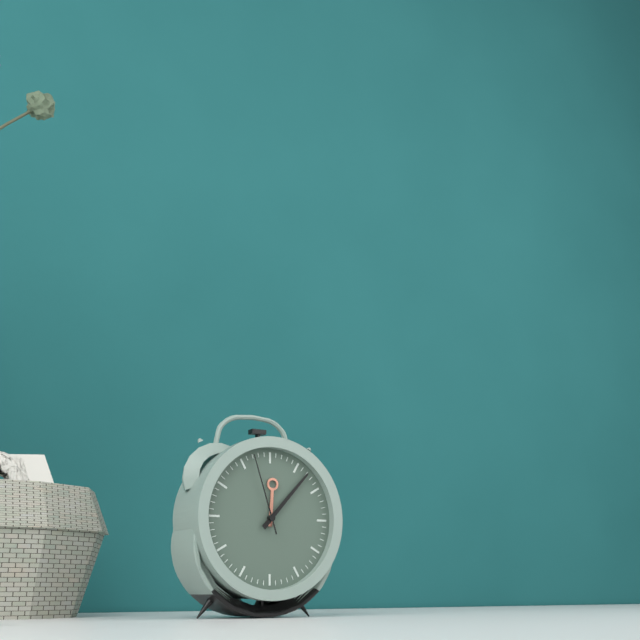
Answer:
12h07m57s
